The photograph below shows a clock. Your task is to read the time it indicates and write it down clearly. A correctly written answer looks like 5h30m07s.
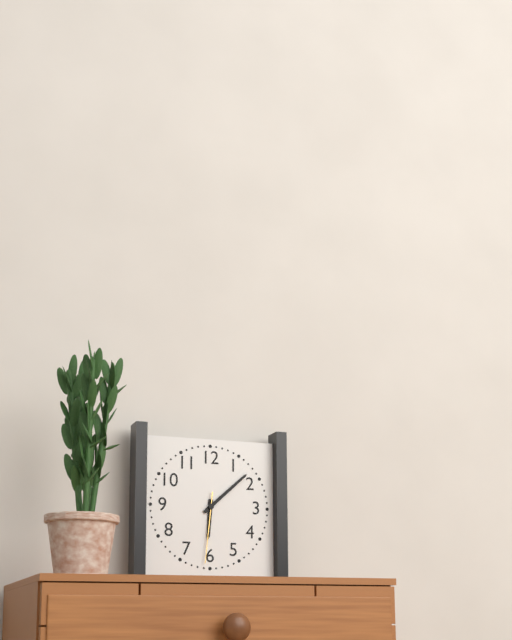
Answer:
6h08m31s
